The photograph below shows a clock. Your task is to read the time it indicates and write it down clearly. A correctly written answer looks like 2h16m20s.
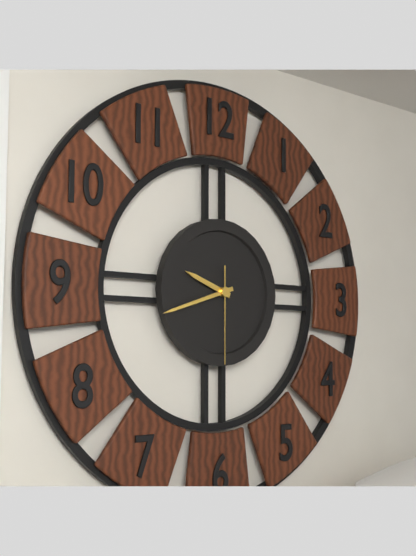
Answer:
9h42m30s
